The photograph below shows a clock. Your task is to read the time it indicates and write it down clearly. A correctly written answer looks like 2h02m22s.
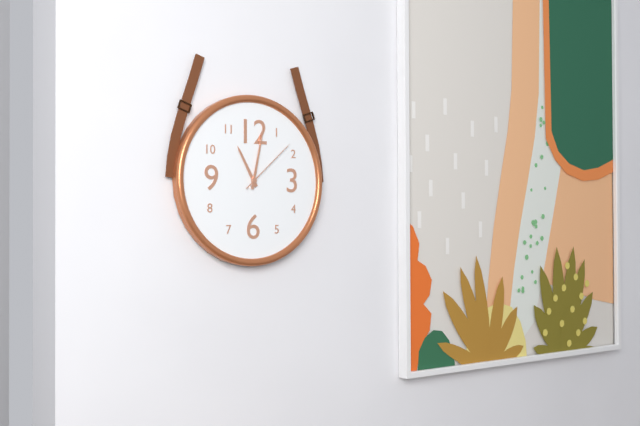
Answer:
11h02m08s
